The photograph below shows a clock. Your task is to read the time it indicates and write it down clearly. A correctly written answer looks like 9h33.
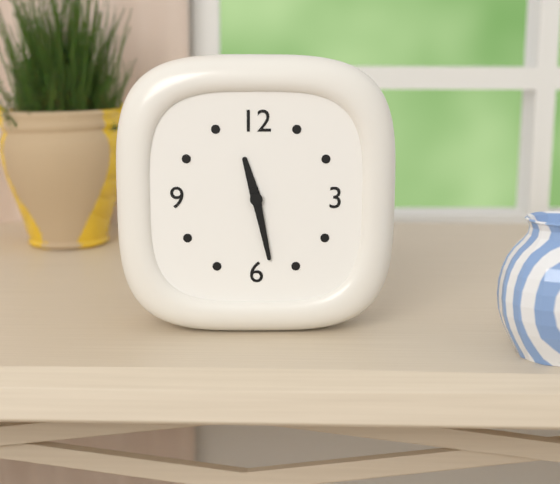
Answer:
11h28
